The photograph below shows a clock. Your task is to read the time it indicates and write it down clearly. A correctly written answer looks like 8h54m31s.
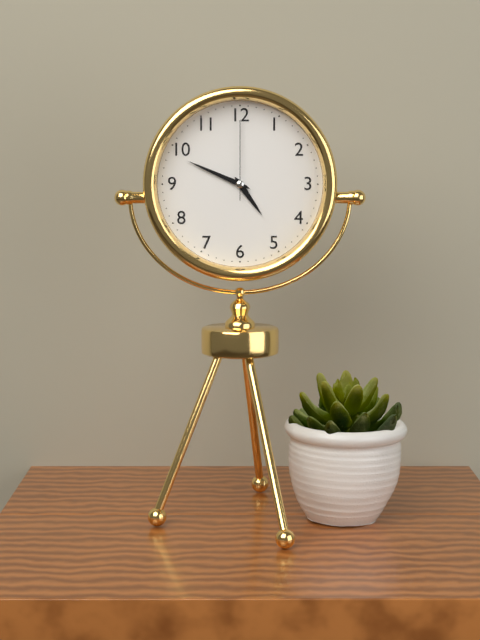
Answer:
4h49m00s
